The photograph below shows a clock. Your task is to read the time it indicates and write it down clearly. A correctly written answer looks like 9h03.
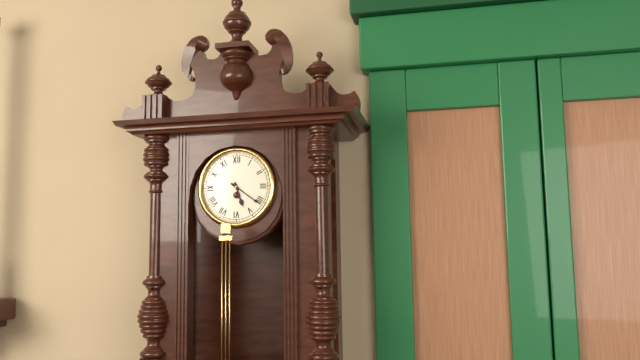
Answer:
5h21
